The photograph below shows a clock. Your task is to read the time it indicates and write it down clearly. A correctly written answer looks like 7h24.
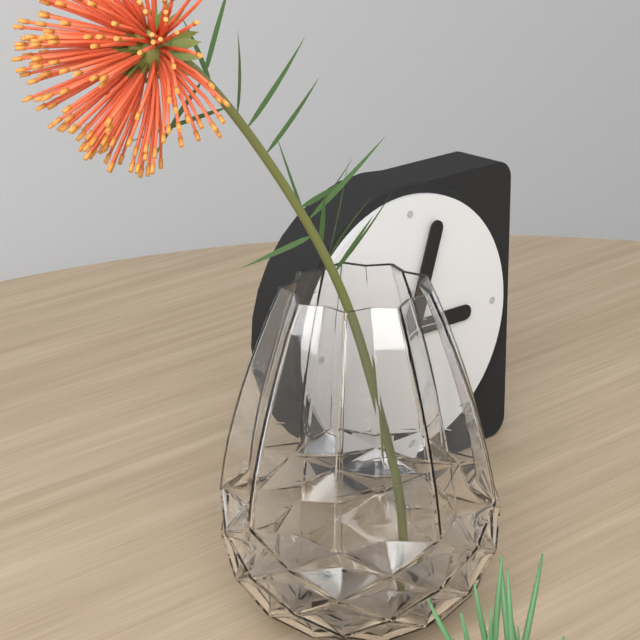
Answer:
3h03
